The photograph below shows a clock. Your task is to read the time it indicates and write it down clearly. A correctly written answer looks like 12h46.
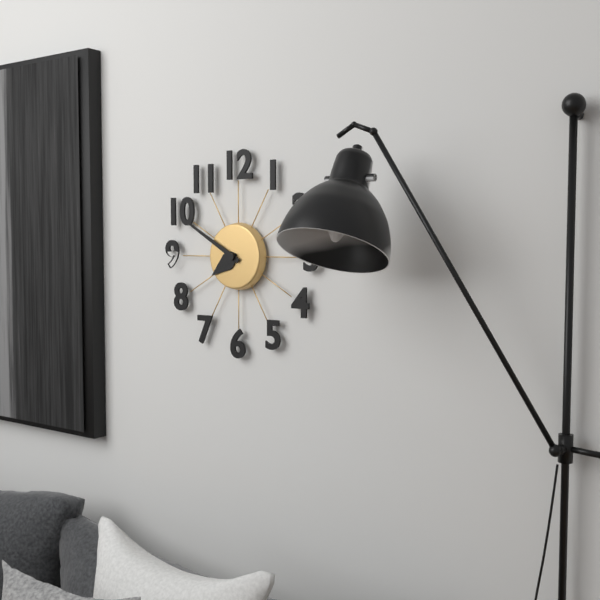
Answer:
7h50
